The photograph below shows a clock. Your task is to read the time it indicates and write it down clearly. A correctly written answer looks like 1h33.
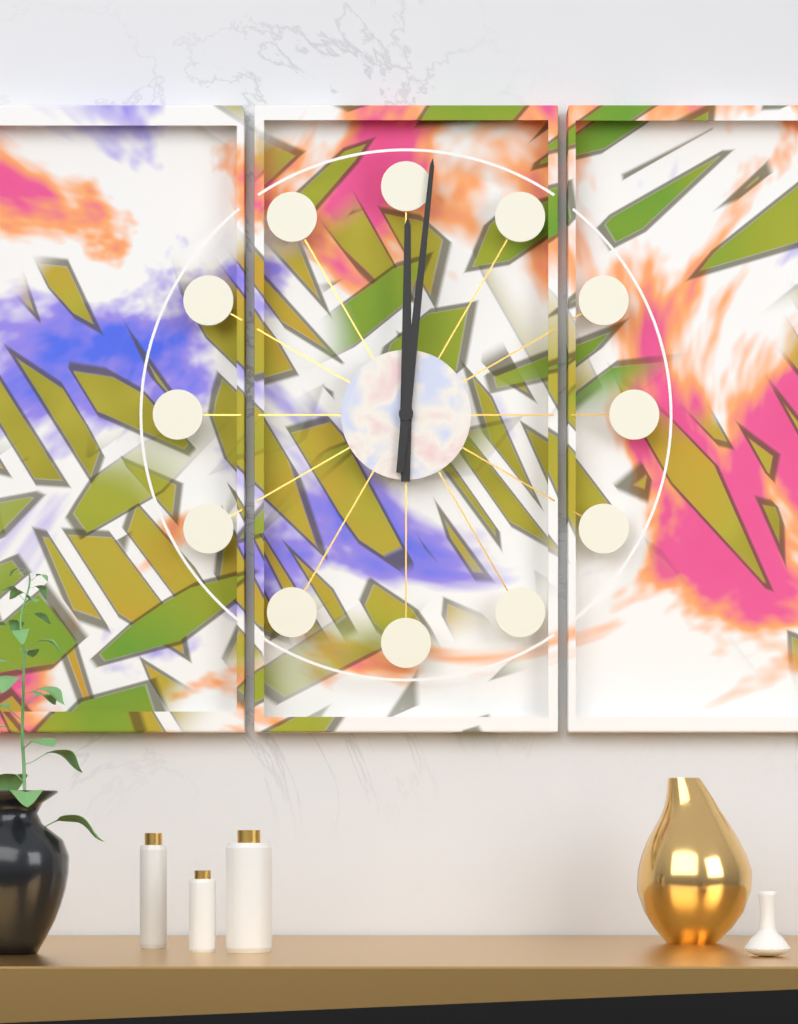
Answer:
12h01
